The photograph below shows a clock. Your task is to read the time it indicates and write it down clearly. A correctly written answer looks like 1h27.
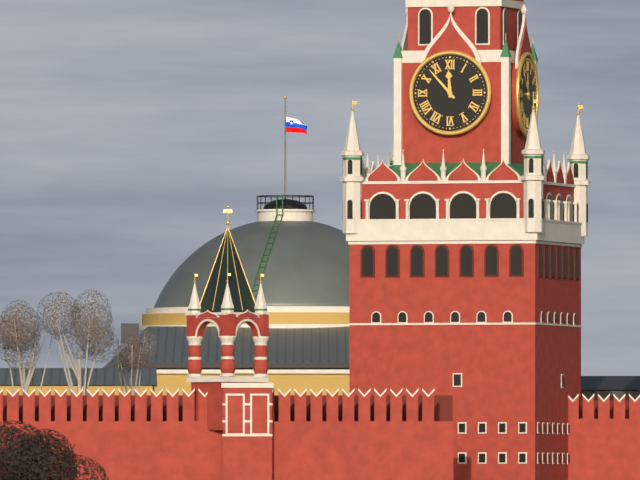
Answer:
11h53
